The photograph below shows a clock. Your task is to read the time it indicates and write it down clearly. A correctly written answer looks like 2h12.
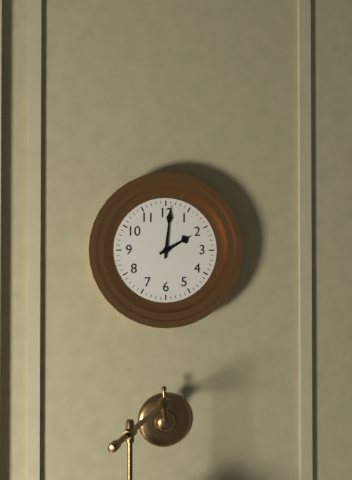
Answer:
2h01
